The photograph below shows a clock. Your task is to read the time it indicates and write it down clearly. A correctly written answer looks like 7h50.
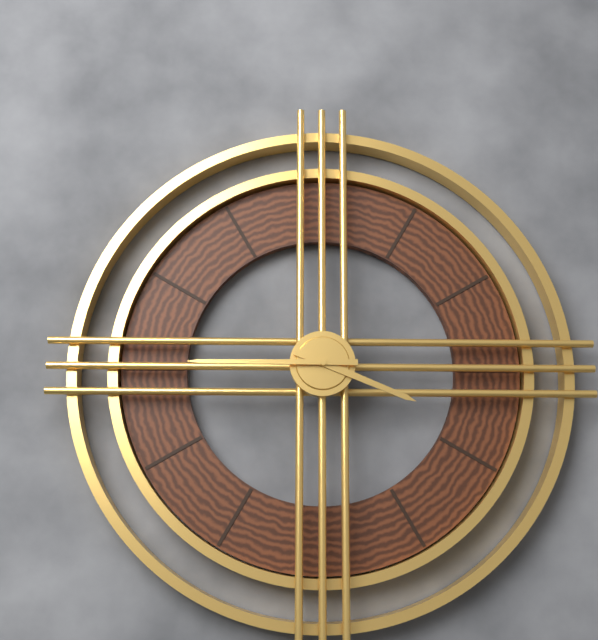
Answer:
3h45
